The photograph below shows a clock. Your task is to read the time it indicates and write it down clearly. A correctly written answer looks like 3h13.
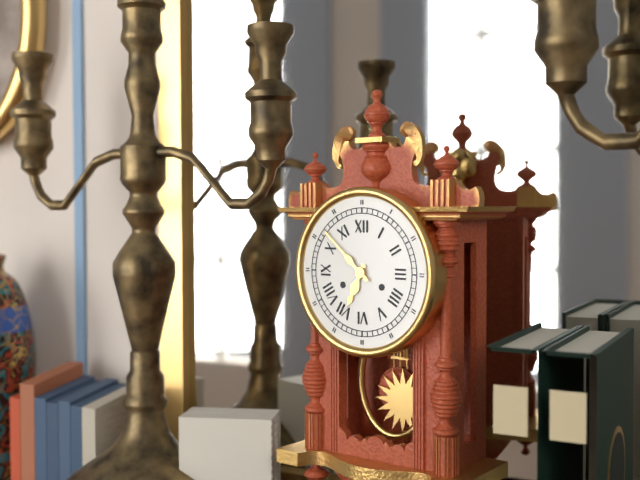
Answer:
6h52
